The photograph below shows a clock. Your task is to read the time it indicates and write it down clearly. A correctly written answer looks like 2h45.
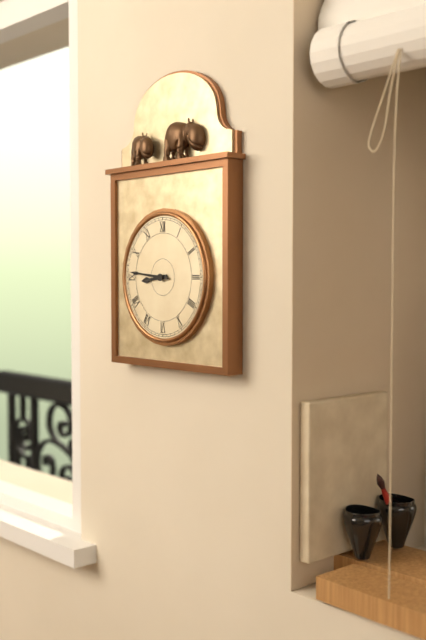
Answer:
8h46
